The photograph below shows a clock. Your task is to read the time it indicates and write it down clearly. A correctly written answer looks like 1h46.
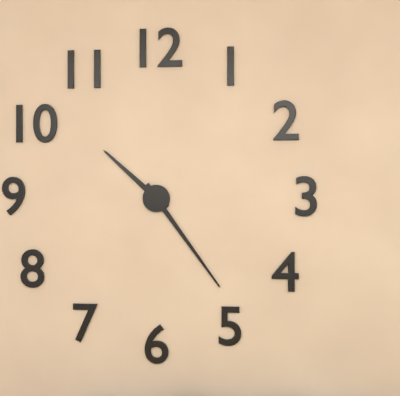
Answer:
10h24
